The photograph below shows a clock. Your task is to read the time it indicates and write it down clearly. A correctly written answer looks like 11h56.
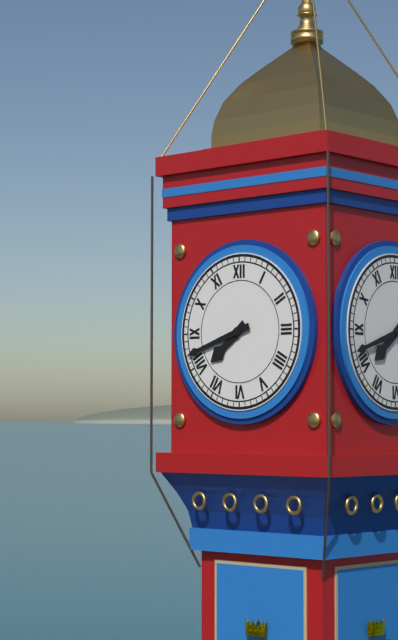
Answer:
7h42
